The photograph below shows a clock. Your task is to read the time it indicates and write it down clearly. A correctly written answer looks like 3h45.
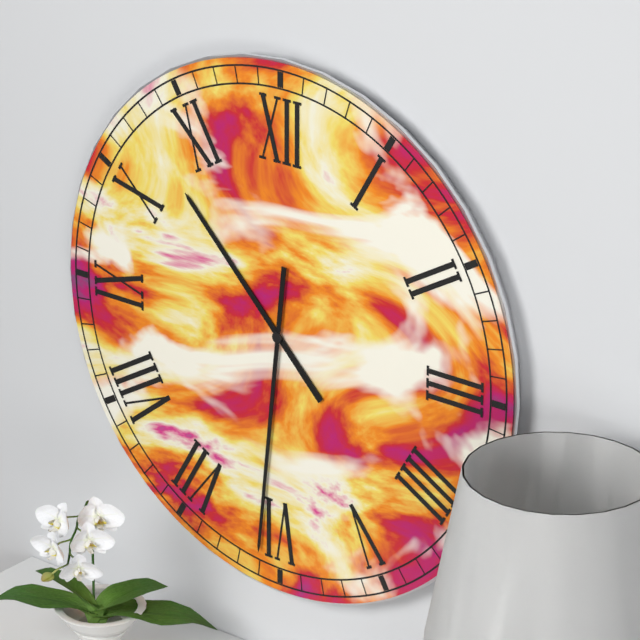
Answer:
10h31
